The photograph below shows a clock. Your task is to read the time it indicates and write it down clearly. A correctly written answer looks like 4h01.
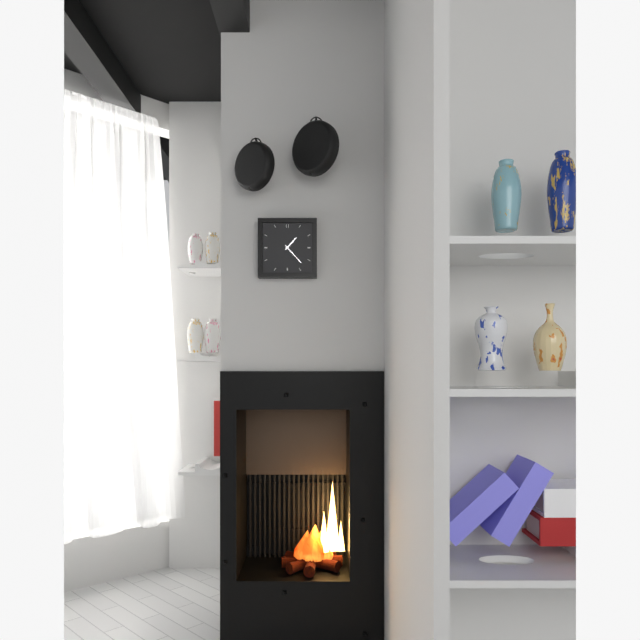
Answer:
1h23
